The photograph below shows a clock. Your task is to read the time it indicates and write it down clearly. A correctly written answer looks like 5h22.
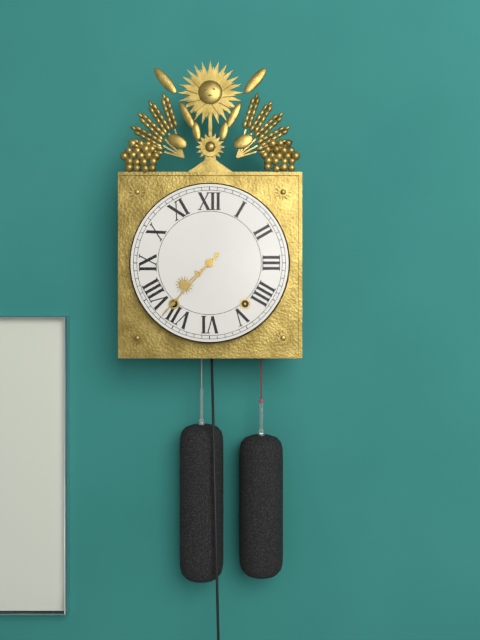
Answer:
7h37
